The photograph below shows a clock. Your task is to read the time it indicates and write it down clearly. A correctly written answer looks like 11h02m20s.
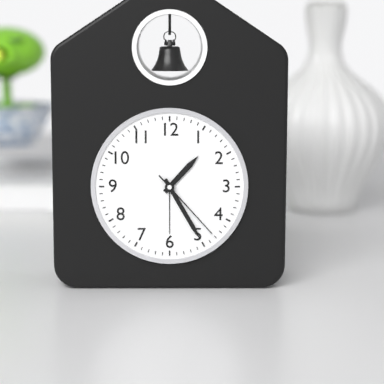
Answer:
1h25m23s
